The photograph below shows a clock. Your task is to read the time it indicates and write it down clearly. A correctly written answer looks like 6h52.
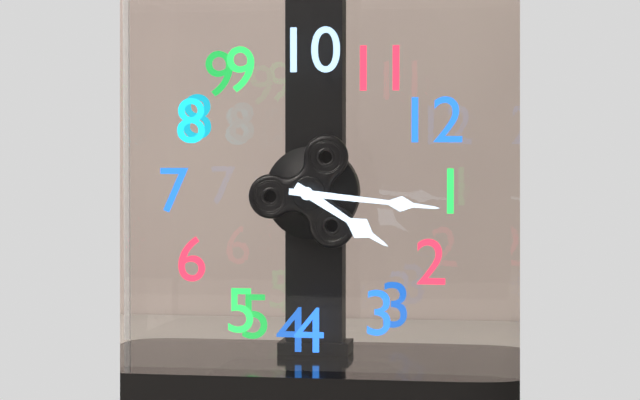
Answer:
2h06
